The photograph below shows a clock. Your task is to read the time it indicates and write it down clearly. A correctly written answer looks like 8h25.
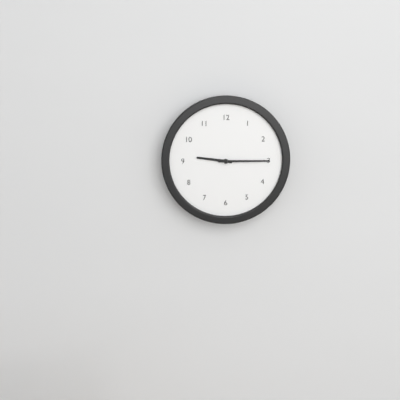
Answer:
9h15
